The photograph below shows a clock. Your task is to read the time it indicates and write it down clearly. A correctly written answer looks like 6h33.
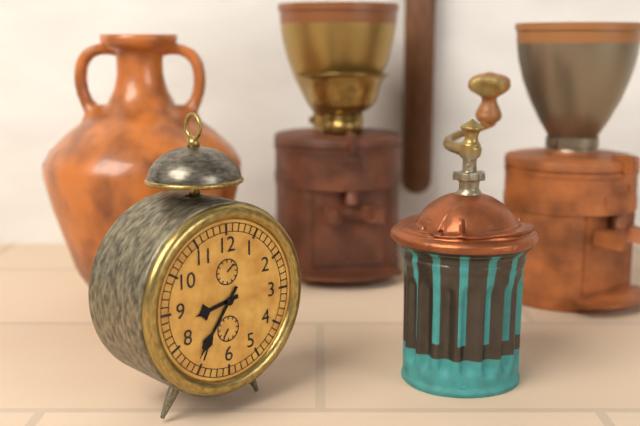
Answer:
8h36
